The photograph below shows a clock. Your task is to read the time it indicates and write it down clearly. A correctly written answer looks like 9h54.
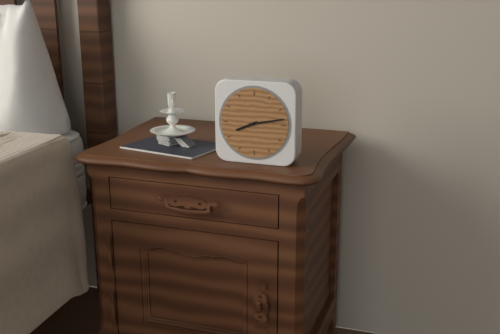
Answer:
8h13
